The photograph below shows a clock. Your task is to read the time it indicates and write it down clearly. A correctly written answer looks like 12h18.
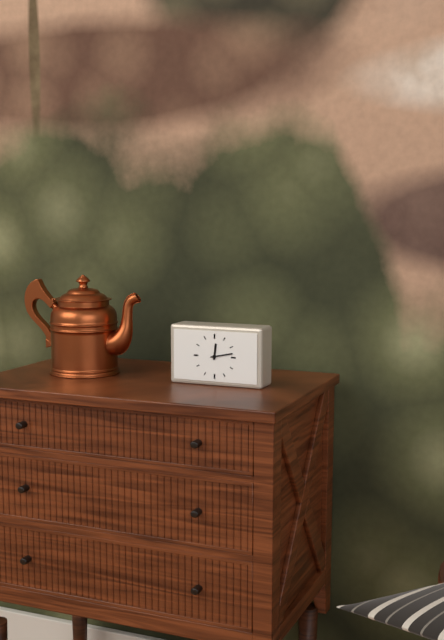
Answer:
12h13
